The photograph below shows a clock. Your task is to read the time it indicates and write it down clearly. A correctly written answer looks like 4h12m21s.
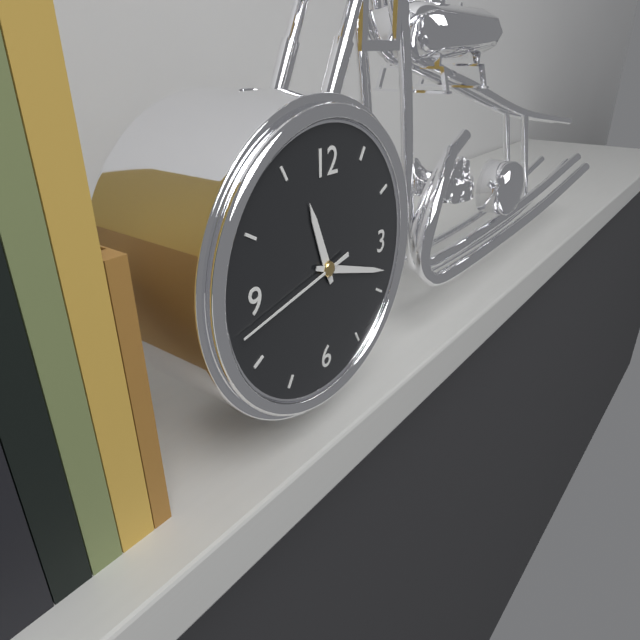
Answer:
11h18m43s
